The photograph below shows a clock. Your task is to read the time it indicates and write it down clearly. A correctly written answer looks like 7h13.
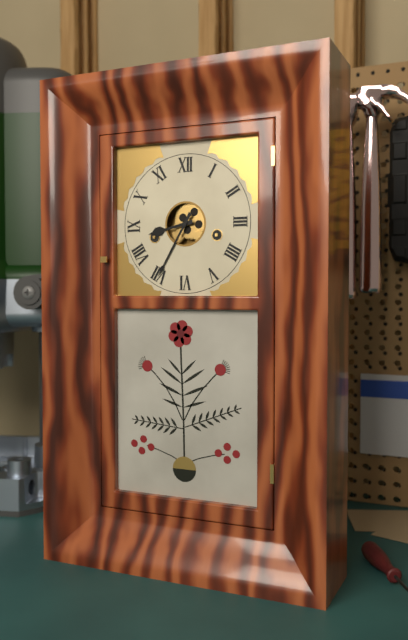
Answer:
8h35
